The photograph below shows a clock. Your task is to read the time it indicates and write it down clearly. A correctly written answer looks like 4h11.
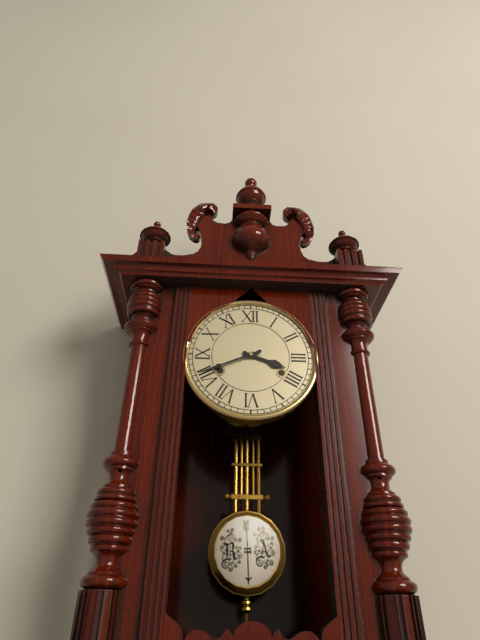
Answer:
3h41
